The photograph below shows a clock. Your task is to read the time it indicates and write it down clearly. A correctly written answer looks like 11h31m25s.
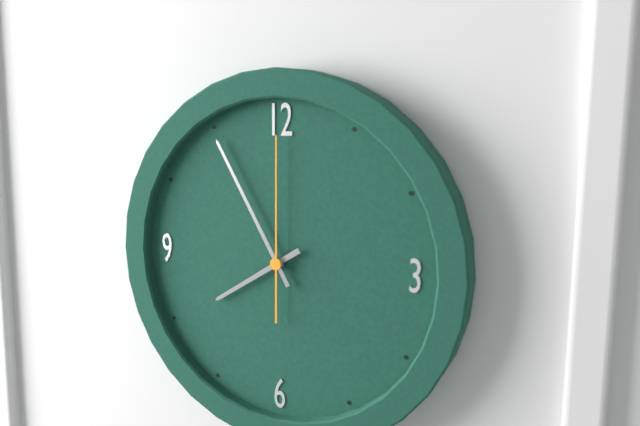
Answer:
7h55m00s
